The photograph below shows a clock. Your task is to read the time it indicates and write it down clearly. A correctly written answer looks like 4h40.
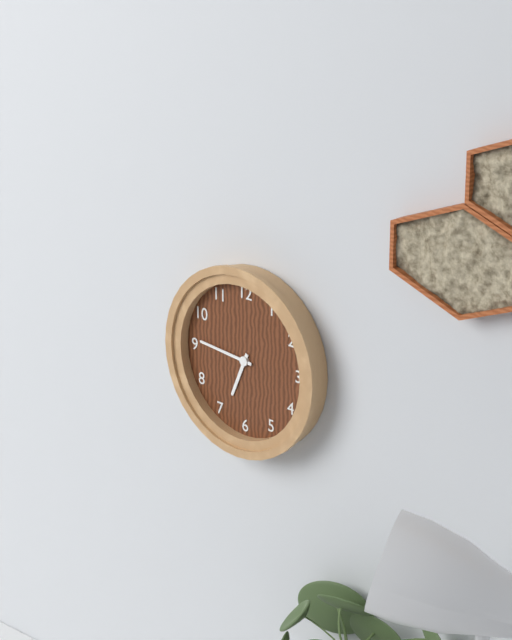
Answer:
6h46
